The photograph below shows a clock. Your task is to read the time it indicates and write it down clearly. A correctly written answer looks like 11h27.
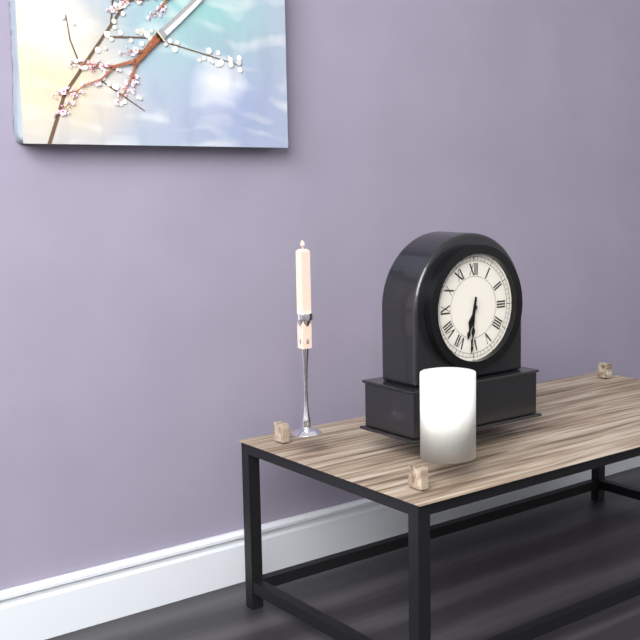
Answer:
6h31
